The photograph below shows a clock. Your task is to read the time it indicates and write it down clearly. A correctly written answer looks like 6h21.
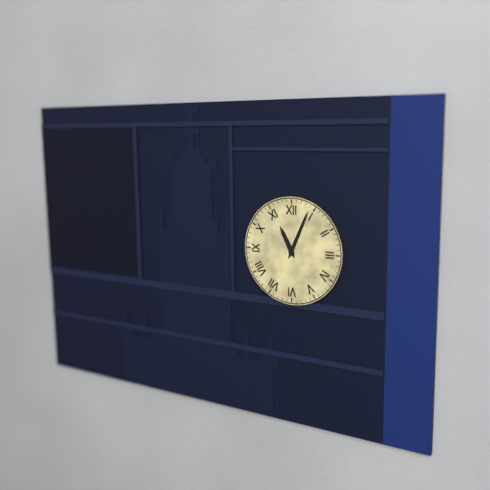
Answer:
11h04
